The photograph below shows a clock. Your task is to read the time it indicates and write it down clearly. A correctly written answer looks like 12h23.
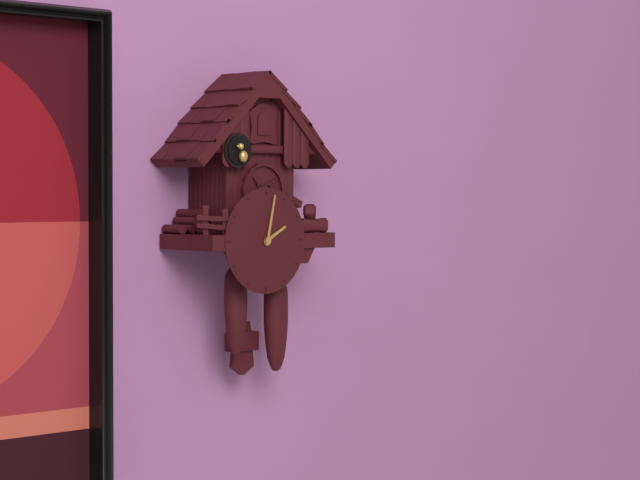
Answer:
2h02
